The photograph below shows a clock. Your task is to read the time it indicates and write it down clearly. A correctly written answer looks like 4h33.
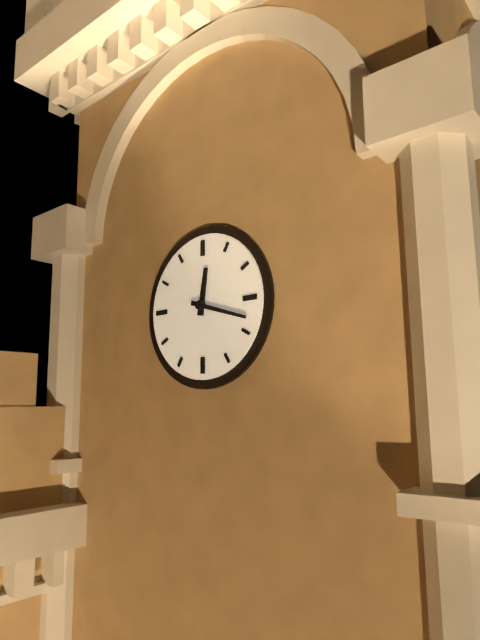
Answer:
12h18
